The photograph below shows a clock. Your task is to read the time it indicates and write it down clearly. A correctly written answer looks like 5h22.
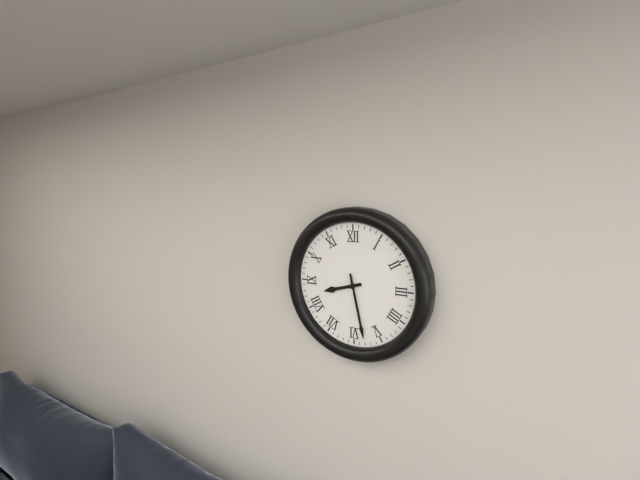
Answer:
8h28
